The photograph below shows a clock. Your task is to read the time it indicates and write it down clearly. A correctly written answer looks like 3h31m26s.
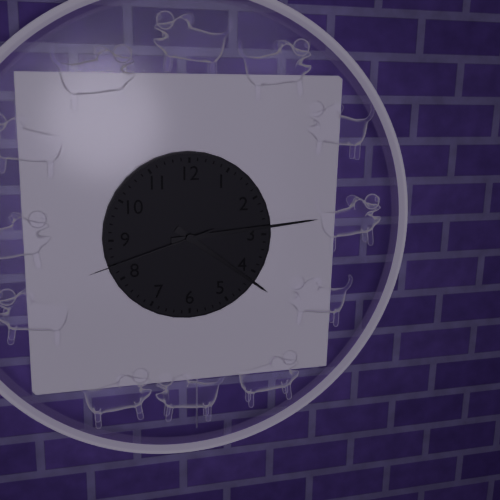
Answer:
4h14m42s
